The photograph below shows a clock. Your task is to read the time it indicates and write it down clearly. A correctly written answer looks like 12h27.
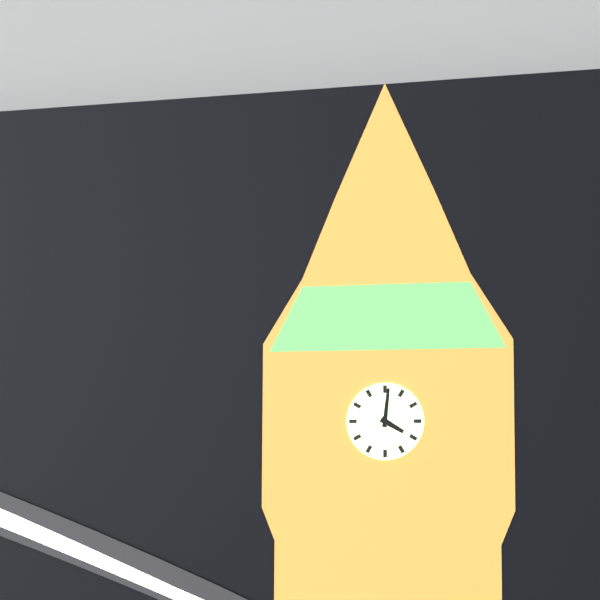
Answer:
4h01
